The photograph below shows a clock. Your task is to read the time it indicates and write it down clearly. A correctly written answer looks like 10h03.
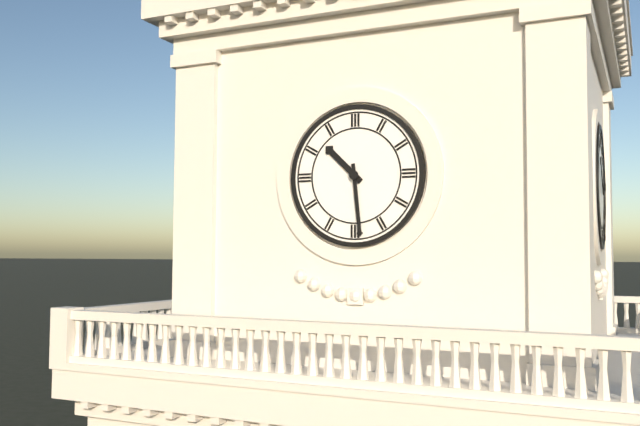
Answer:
10h29
